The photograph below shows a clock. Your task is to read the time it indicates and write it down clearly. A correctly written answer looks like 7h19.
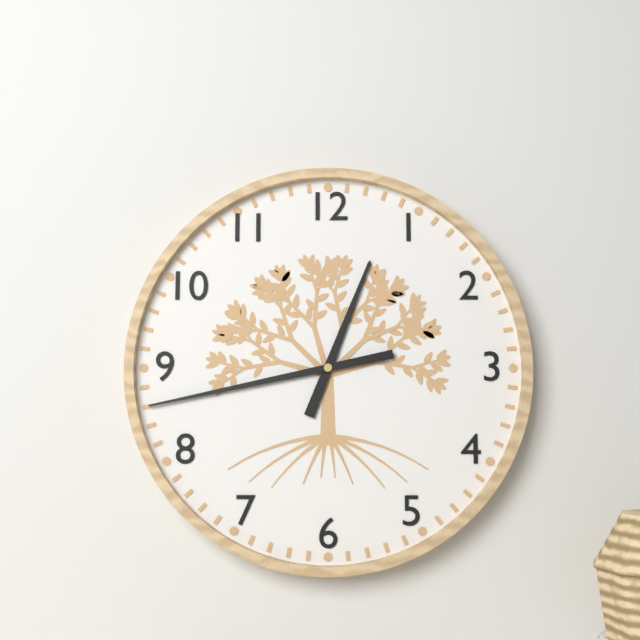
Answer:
12h43
